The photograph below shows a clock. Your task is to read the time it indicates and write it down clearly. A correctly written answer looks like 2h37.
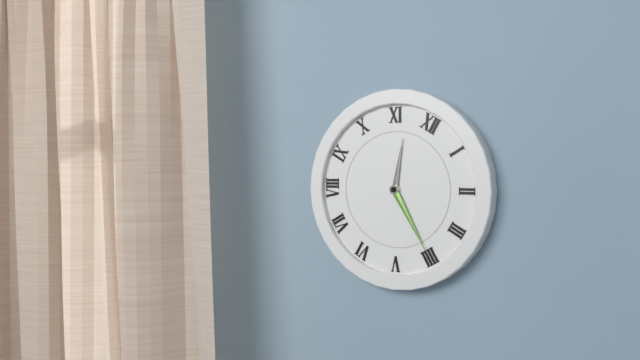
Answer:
11h20
